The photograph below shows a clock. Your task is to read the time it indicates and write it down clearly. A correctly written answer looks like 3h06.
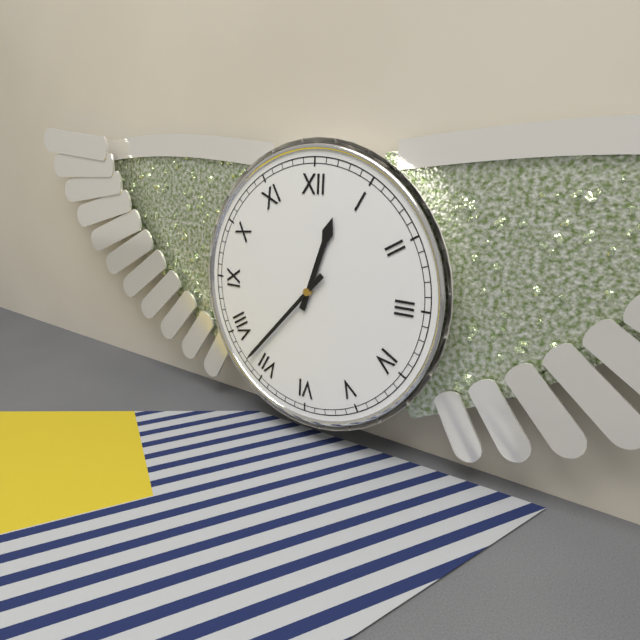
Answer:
12h37
